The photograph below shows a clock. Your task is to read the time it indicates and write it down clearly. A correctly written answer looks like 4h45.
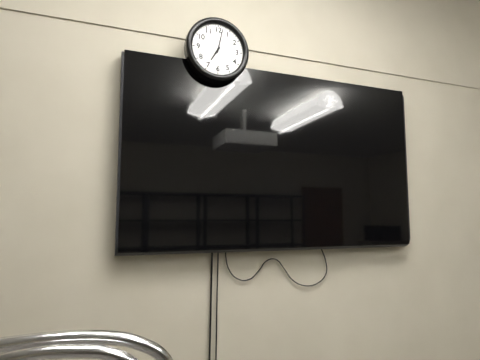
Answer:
7h02
